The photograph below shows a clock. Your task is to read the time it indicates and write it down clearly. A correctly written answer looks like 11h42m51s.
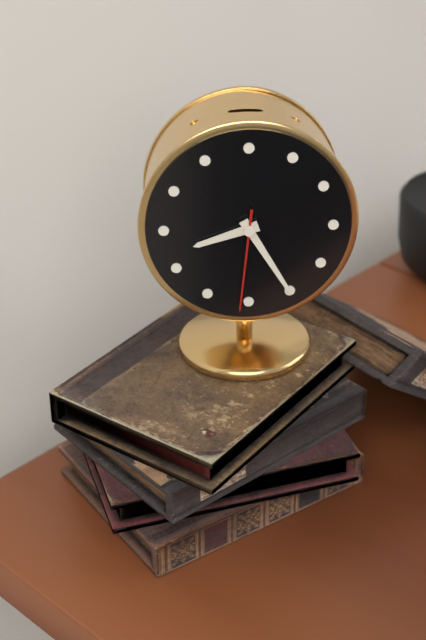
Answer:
8h25m31s
